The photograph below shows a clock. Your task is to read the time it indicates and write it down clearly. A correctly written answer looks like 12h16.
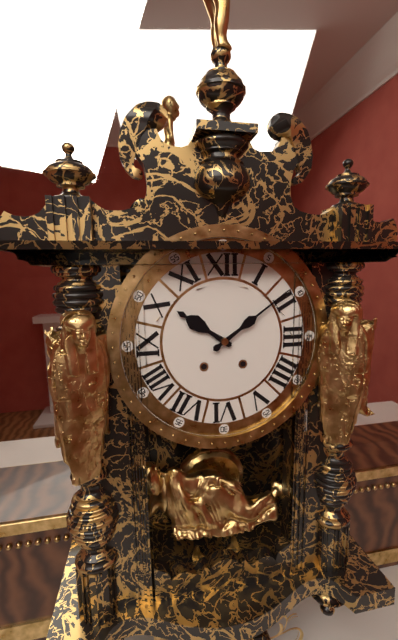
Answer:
10h09
